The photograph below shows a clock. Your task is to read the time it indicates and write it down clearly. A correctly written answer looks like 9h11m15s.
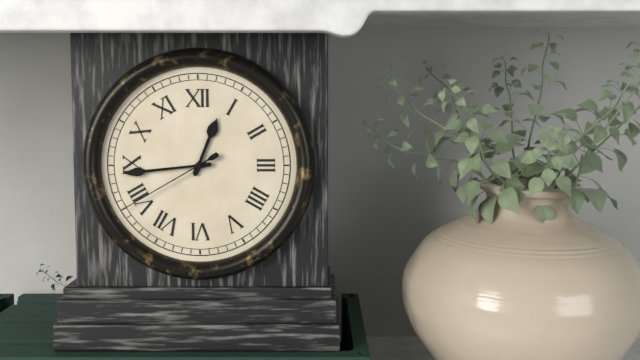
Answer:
12h44m40s
